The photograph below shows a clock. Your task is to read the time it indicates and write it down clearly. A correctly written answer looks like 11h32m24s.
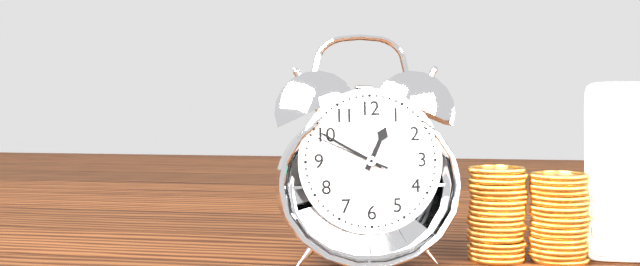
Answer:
12h50m49s
